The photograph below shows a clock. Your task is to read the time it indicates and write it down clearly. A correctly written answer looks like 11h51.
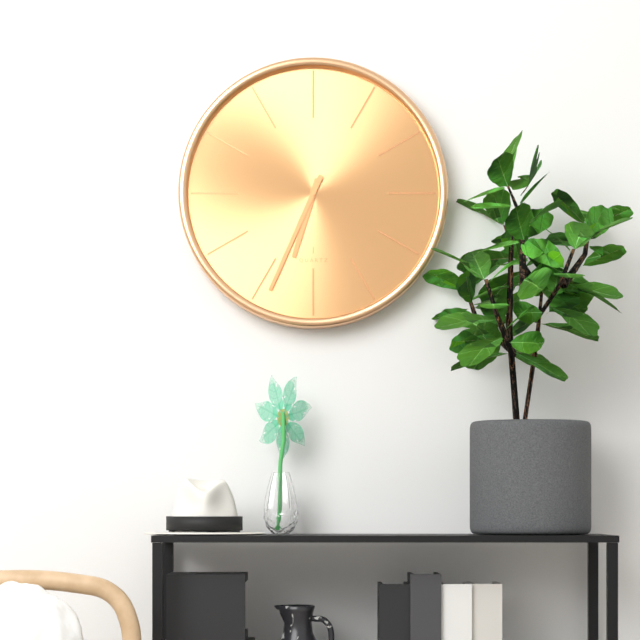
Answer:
6h34
